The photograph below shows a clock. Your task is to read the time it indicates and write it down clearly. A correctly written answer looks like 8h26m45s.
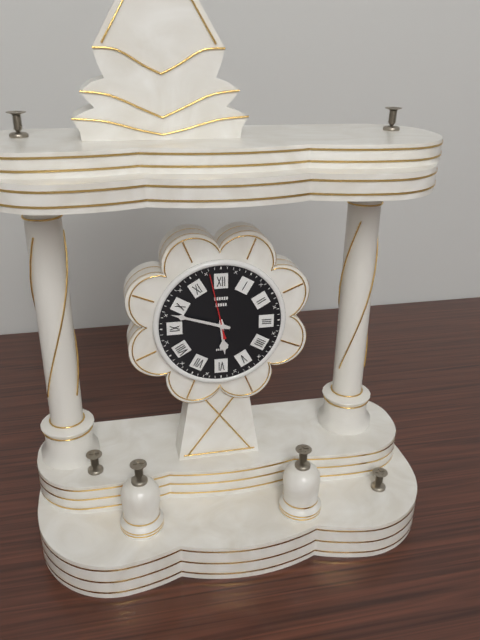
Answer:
5h48m58s
